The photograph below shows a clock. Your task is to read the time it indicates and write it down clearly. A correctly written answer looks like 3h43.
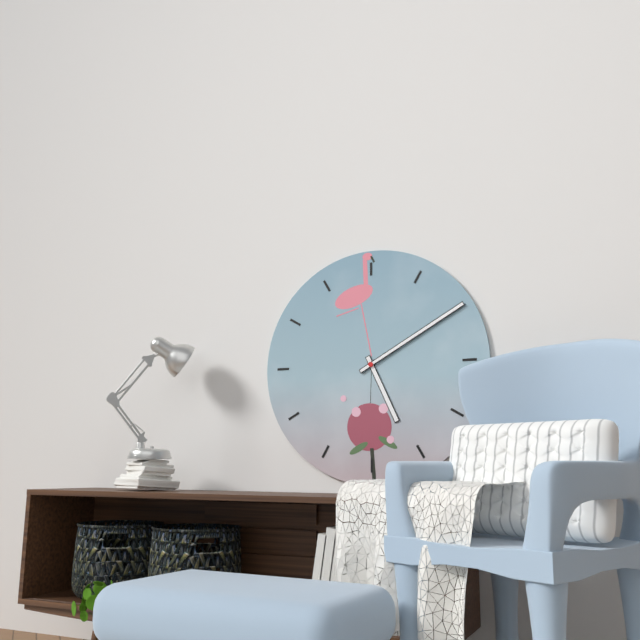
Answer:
5h10
